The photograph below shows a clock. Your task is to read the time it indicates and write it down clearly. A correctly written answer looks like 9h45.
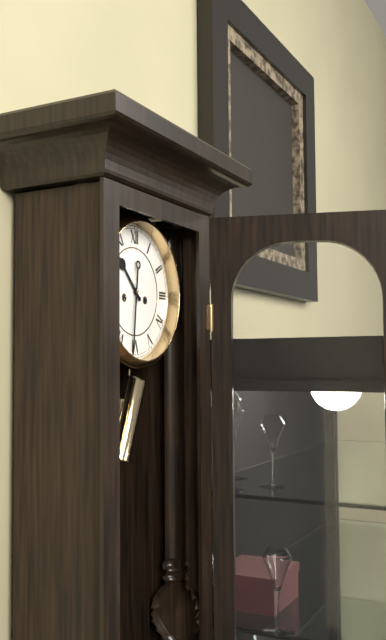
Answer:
10h31
